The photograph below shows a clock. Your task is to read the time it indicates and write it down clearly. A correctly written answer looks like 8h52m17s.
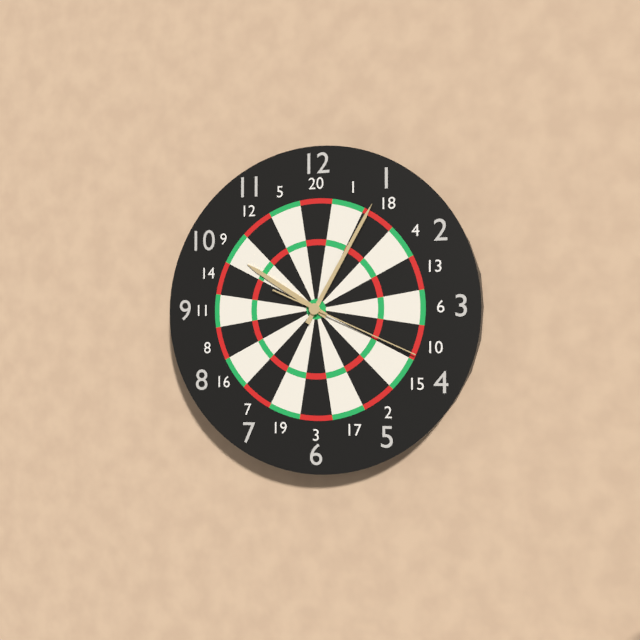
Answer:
10h05m19s
